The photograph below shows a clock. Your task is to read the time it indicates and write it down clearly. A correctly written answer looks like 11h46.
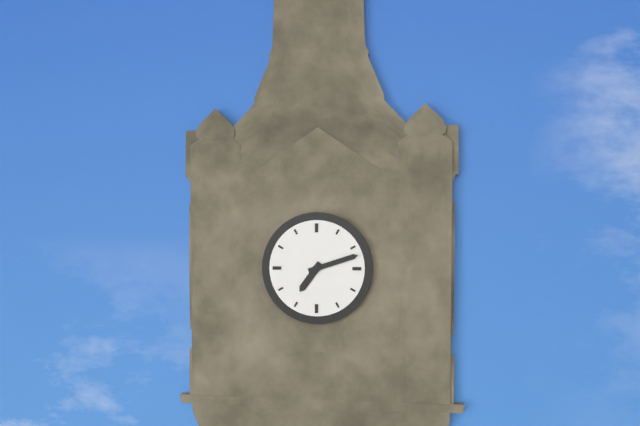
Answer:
7h12
